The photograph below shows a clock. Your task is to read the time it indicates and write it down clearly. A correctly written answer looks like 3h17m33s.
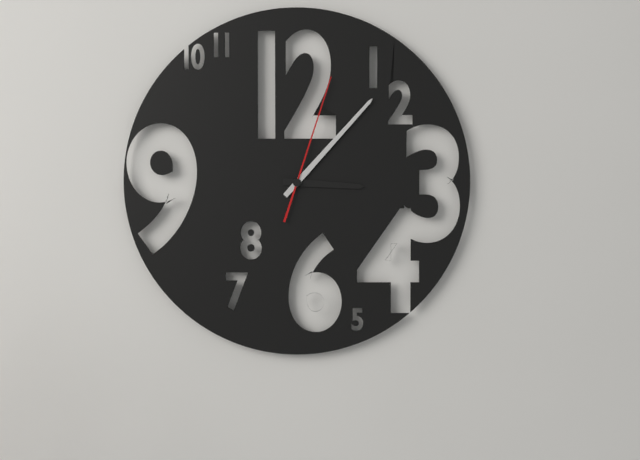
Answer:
3h07m03s
